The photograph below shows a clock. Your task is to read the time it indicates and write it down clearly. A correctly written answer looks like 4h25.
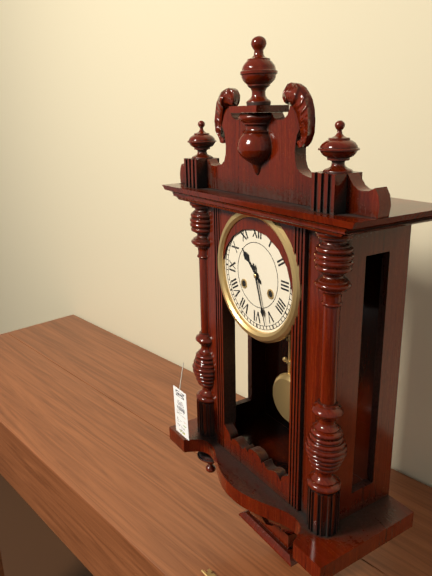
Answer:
10h27
